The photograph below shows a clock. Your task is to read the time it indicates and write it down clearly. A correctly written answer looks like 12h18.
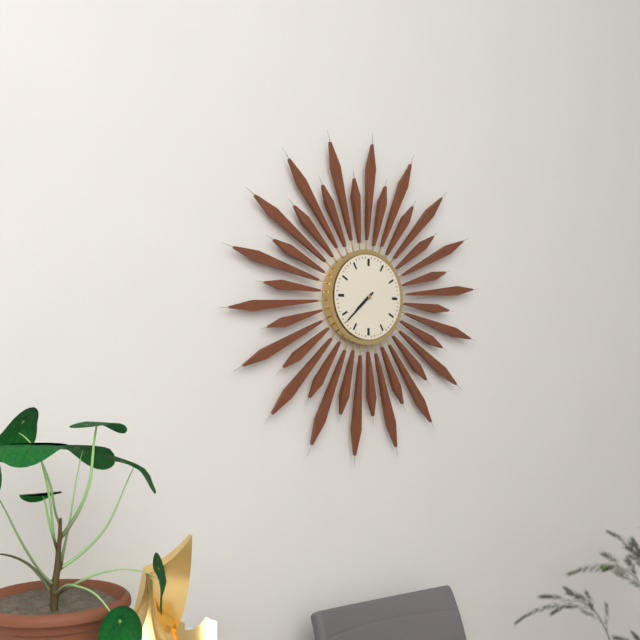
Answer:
7h38
